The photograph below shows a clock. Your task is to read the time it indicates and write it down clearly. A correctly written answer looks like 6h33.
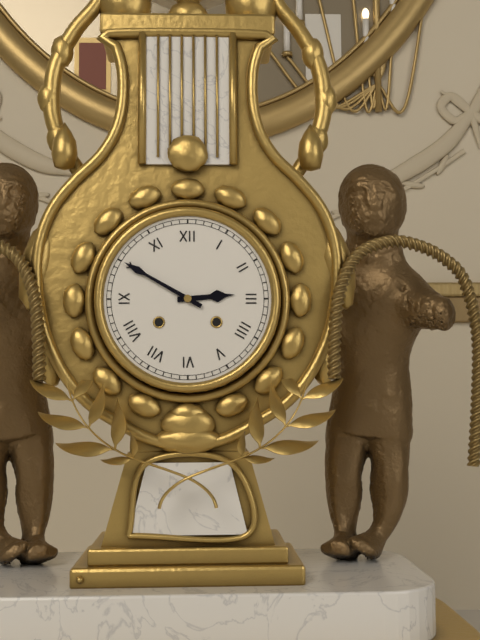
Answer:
2h50
